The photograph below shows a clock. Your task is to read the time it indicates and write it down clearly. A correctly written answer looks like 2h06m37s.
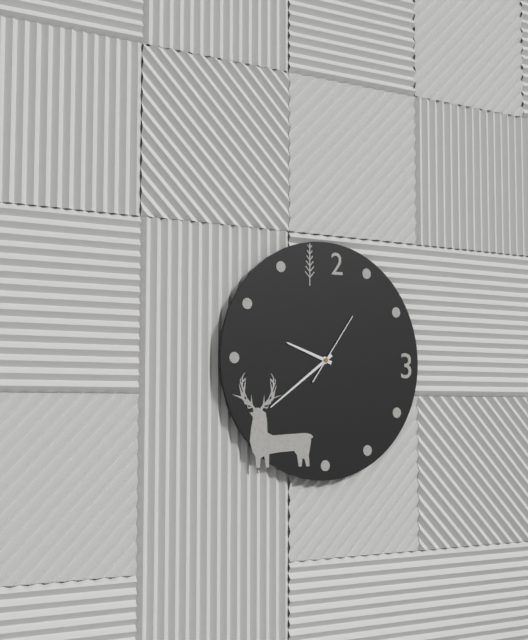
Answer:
9h39m06s
